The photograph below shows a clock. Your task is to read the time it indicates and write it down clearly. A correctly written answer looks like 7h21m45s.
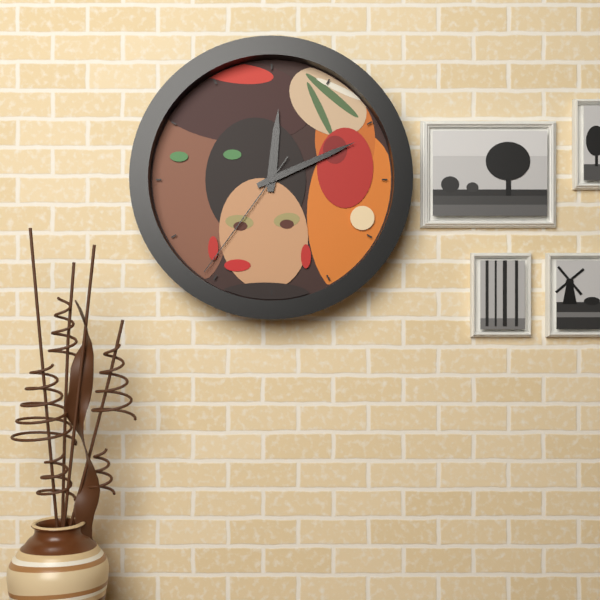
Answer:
12h11m36s
